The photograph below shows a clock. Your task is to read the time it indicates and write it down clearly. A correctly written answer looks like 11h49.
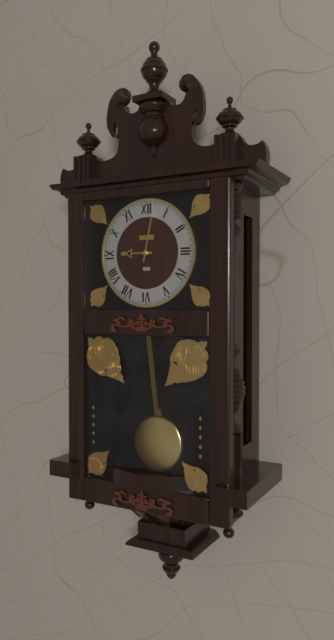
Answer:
9h02
